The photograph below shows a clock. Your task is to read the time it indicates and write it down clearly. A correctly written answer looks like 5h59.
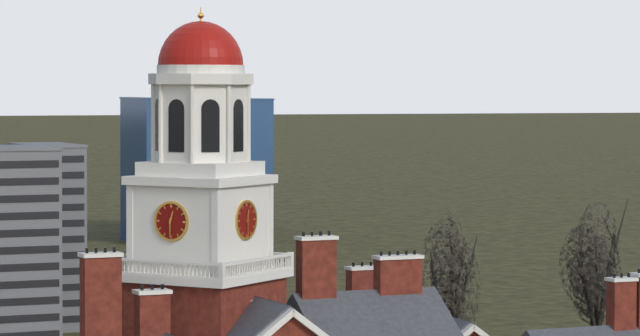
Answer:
12h30
